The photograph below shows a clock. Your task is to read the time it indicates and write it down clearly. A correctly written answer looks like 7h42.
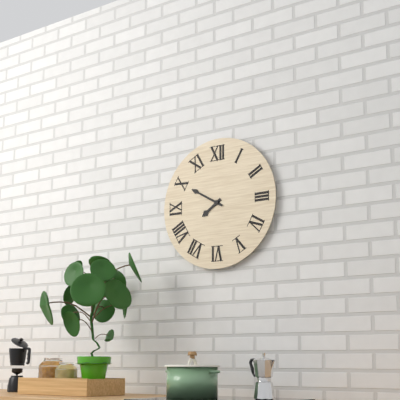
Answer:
7h50
